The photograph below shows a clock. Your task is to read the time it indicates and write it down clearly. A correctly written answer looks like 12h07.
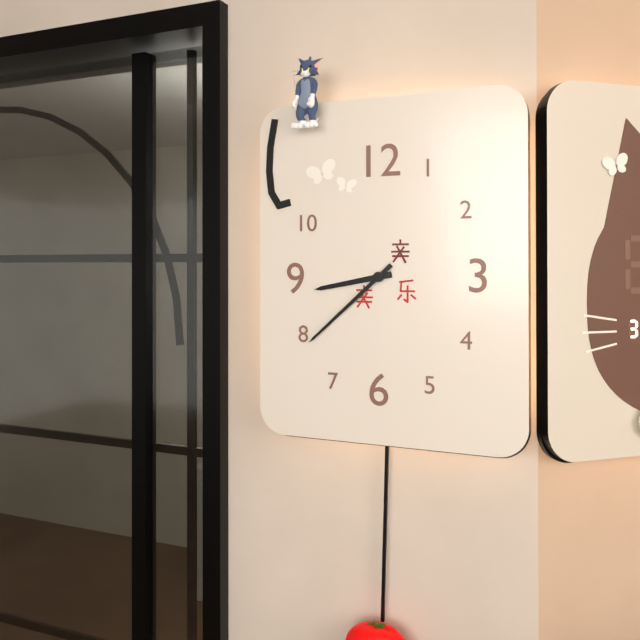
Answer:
8h38
